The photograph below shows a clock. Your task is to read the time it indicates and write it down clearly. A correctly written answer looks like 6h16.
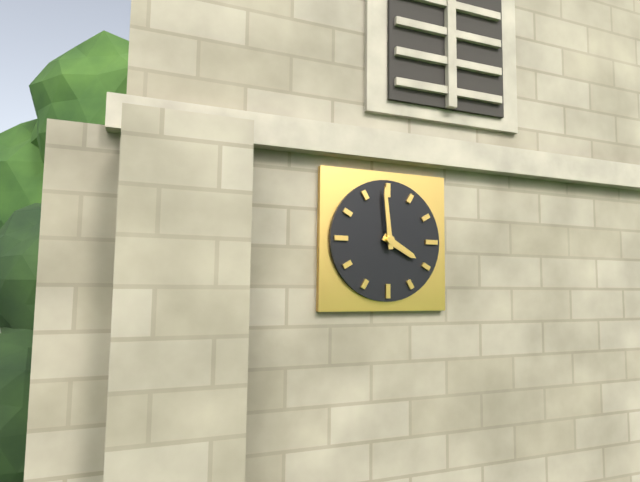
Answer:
3h59
